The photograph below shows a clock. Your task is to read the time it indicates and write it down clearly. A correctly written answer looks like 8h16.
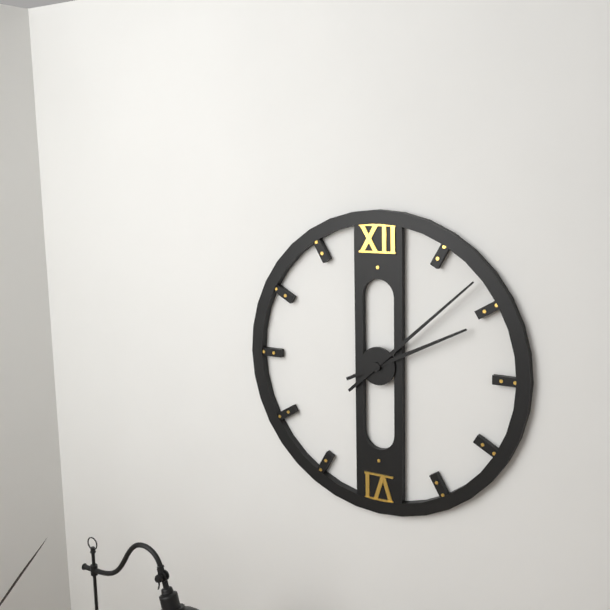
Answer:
2h08
